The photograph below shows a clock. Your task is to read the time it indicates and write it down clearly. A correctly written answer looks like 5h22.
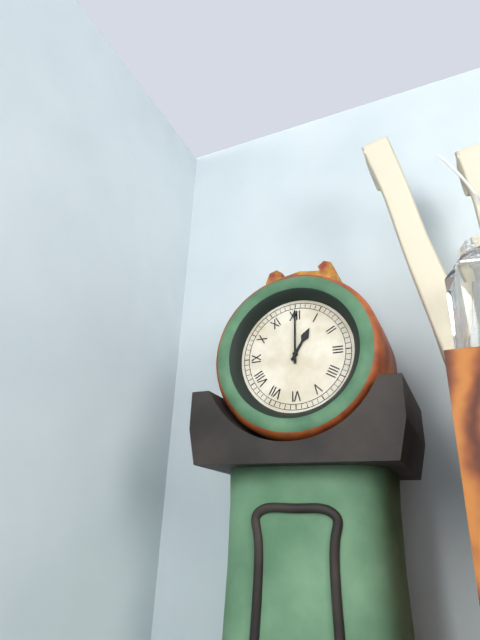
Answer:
1h00
